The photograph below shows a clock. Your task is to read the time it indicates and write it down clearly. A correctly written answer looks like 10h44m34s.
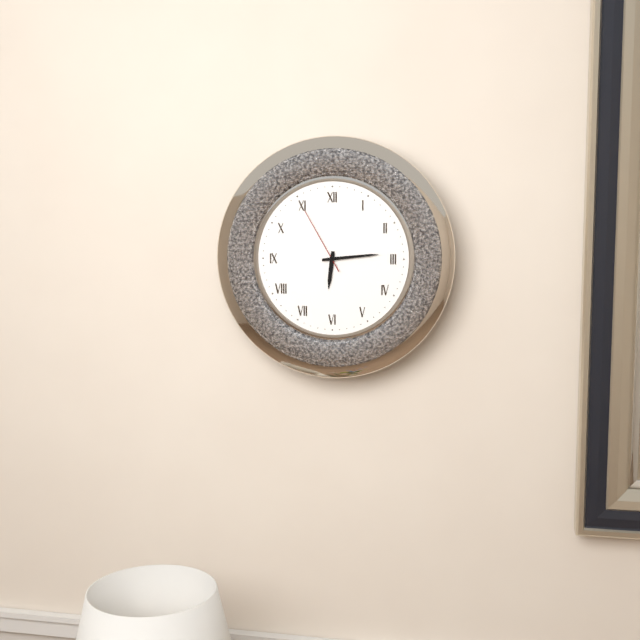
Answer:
6h14m55s
